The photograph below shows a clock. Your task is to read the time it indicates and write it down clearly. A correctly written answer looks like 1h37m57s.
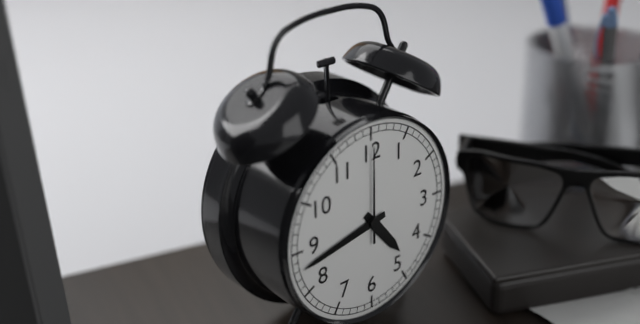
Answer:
4h43m00s
